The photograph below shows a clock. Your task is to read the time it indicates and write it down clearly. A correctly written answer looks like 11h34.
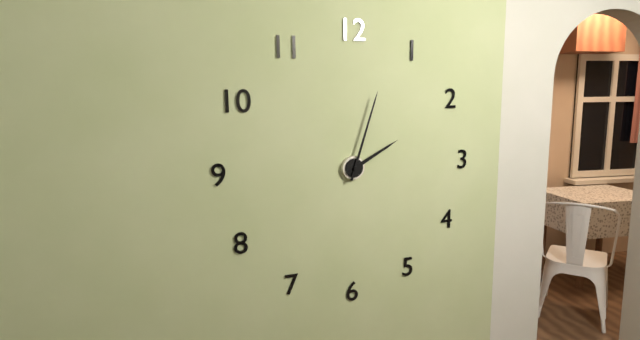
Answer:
2h03
